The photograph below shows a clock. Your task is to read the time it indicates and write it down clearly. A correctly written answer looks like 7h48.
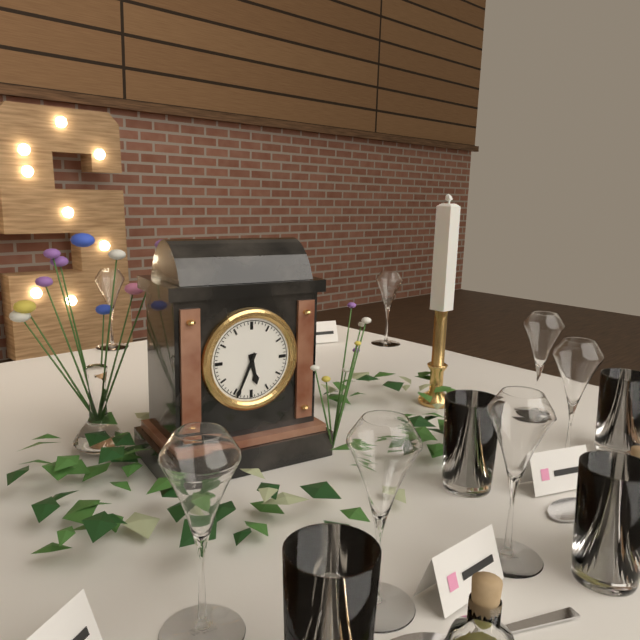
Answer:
5h34
